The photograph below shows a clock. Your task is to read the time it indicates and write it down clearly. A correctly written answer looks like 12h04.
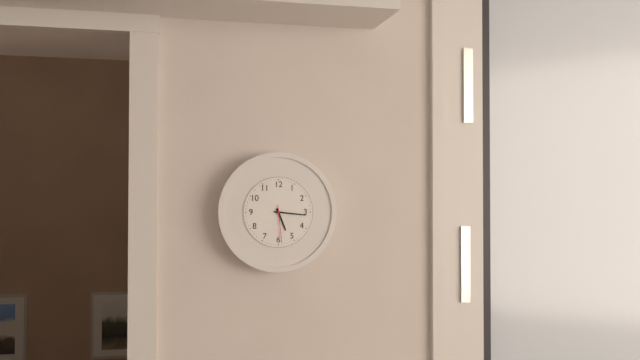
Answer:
5h16
